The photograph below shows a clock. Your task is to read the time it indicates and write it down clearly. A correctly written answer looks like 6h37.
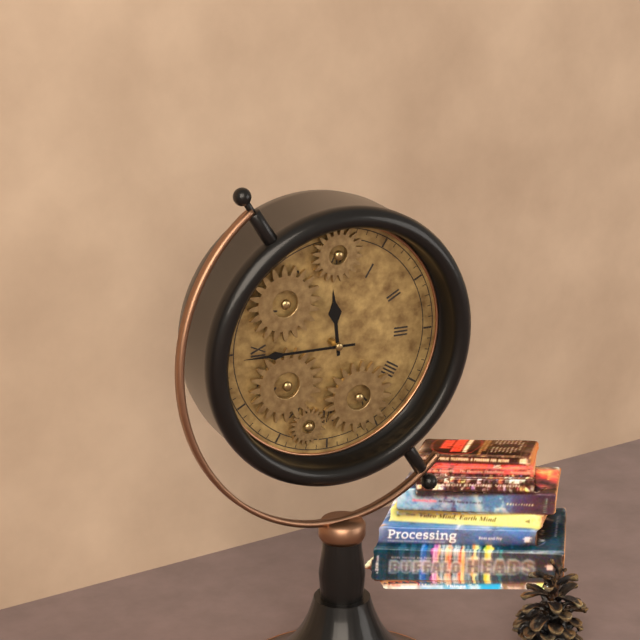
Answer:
11h45
